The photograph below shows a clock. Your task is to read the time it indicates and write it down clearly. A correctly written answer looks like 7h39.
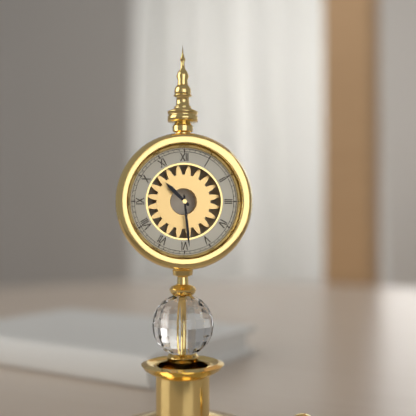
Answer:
10h29
